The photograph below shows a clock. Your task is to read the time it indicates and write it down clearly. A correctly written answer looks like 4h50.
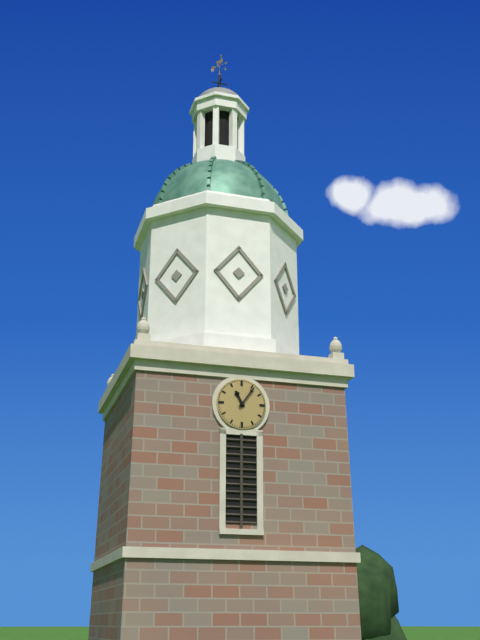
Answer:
11h06
